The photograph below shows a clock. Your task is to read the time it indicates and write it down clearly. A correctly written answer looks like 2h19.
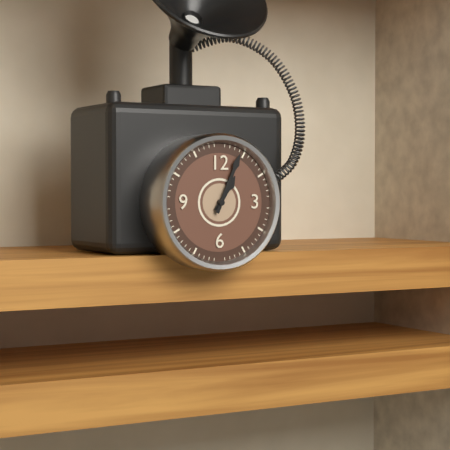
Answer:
1h04
